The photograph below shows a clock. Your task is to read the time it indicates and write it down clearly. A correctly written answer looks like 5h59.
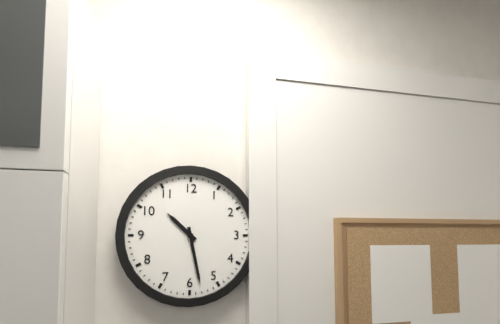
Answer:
10h28
